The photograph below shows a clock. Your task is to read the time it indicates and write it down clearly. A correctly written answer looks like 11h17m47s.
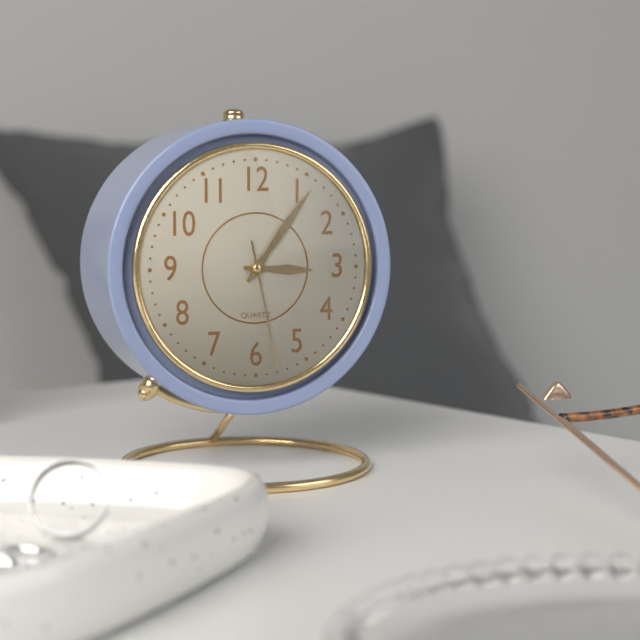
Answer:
3h06m28s
